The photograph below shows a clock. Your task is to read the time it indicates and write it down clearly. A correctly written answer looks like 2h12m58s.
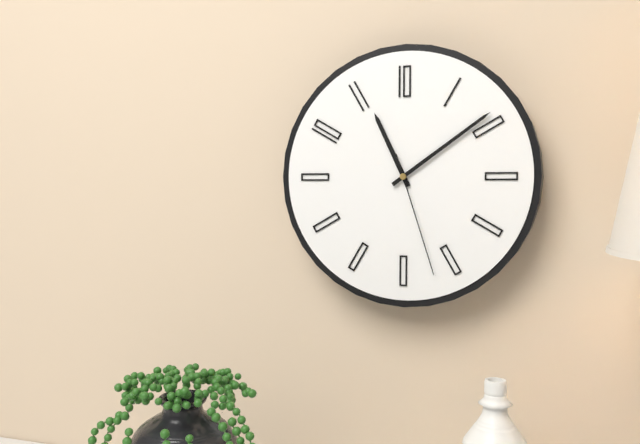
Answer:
11h09m27s
